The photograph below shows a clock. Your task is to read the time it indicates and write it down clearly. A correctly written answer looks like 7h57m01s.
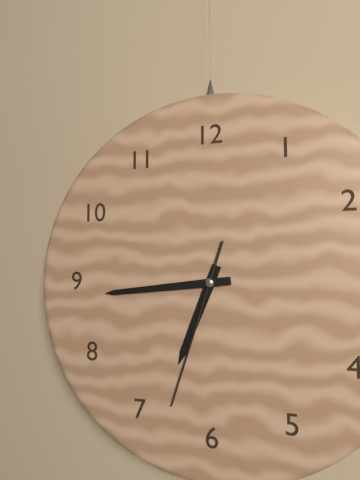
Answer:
6h44m33s
